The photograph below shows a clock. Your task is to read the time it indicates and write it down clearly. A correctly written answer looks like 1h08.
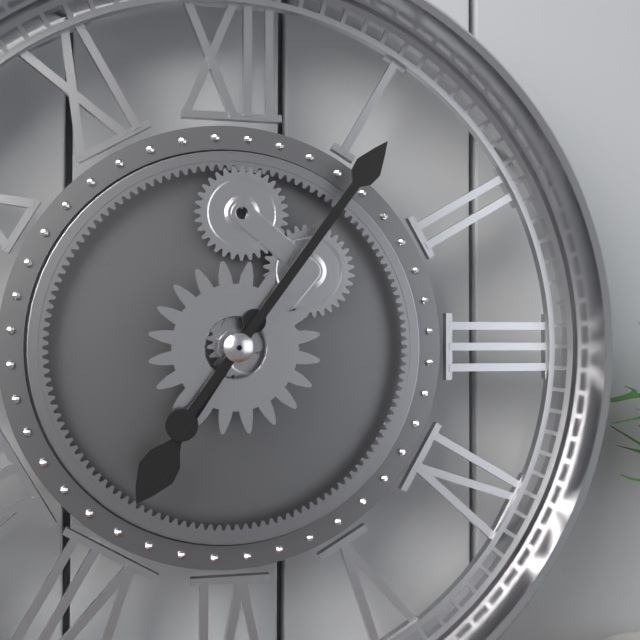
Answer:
7h06
